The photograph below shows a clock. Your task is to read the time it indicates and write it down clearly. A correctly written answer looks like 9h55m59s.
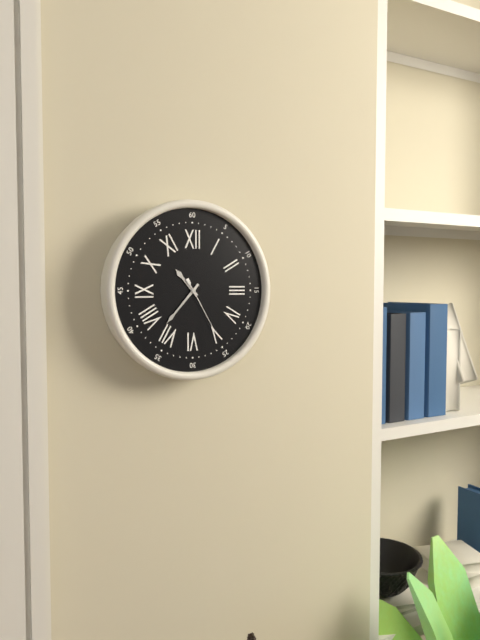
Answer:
10h37m25s
